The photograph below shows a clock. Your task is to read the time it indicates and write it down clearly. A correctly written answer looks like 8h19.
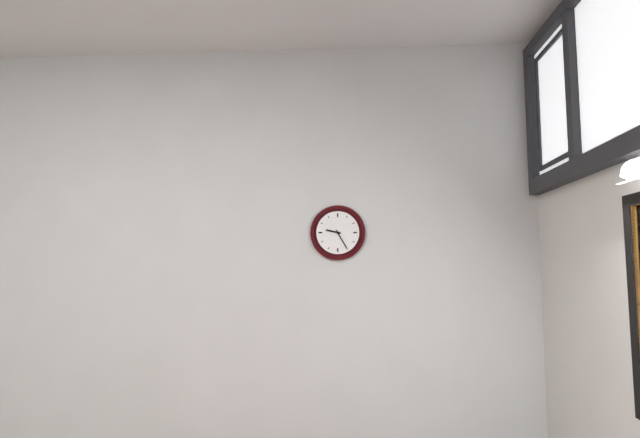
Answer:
9h25
